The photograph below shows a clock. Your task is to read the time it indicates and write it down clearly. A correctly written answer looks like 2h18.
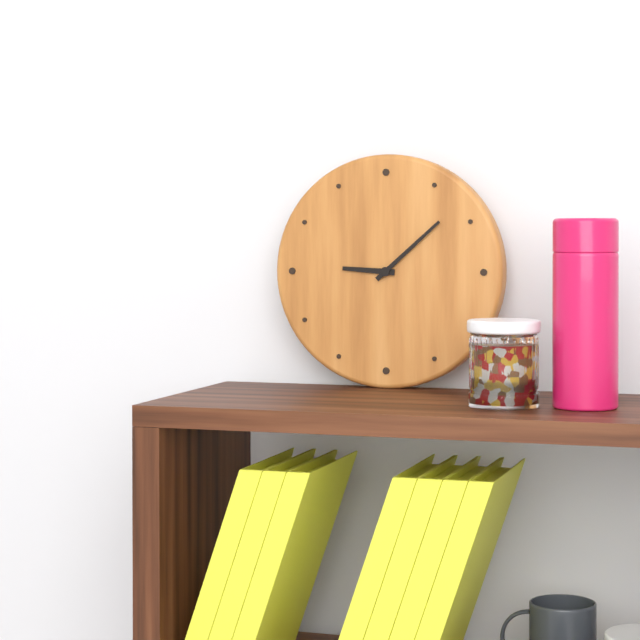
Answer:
9h08
